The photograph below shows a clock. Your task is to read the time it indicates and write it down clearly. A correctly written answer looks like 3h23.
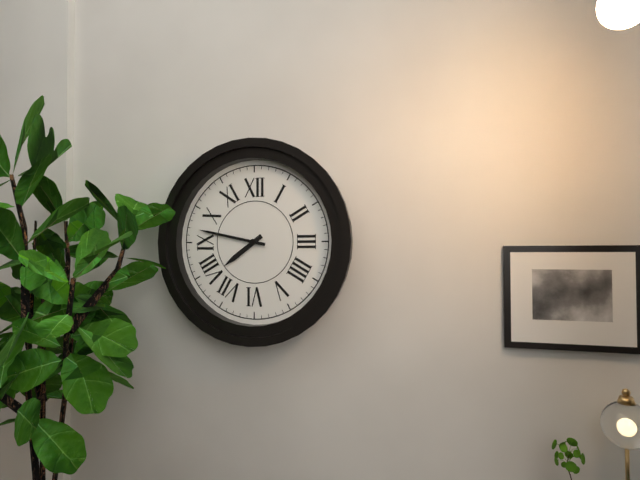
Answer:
7h47
